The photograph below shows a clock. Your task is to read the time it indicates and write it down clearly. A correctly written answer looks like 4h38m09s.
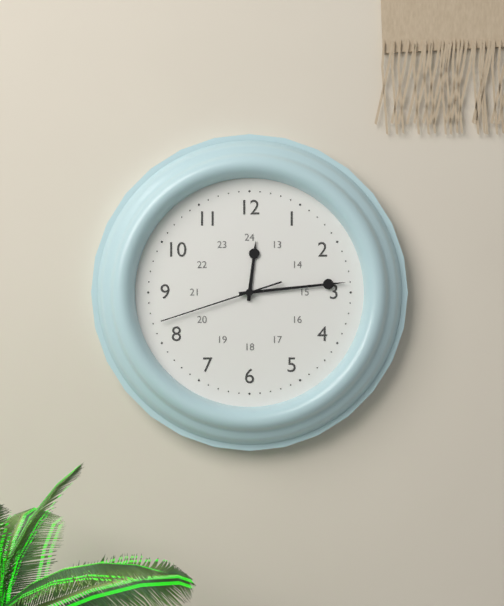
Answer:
12h14m42s
